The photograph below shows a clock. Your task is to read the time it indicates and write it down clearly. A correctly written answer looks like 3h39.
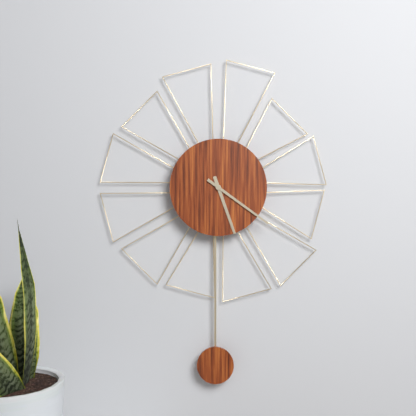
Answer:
5h21
